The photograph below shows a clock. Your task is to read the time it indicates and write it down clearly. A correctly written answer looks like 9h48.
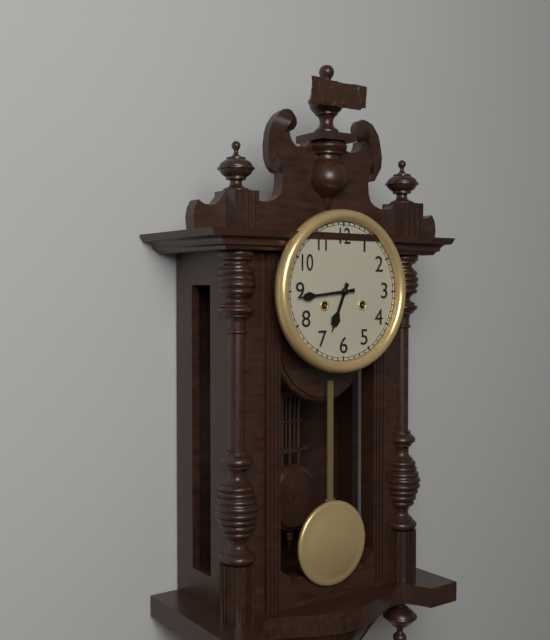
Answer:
6h44
